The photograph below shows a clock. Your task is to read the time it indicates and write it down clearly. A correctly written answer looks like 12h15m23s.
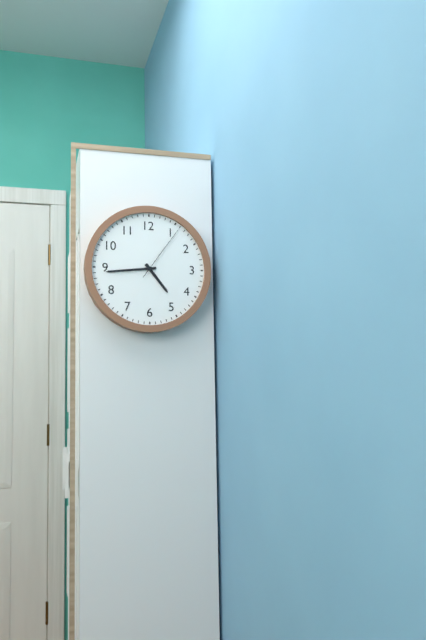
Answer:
4h44m06s
